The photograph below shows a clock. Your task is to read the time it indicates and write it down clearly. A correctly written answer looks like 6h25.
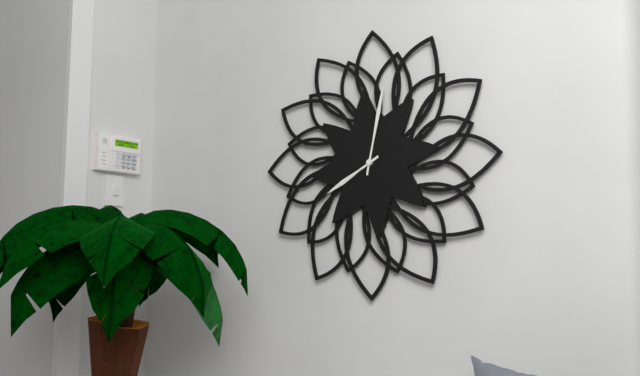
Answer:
8h02
